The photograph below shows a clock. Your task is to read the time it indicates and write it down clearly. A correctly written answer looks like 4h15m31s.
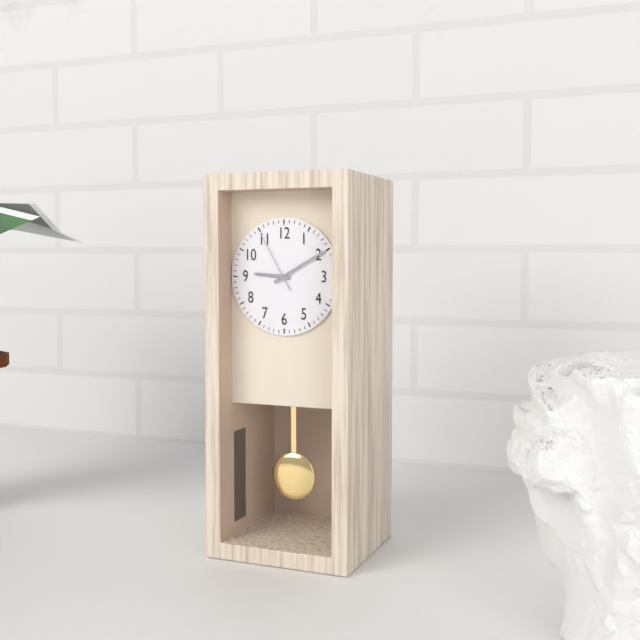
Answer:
9h10m55s
